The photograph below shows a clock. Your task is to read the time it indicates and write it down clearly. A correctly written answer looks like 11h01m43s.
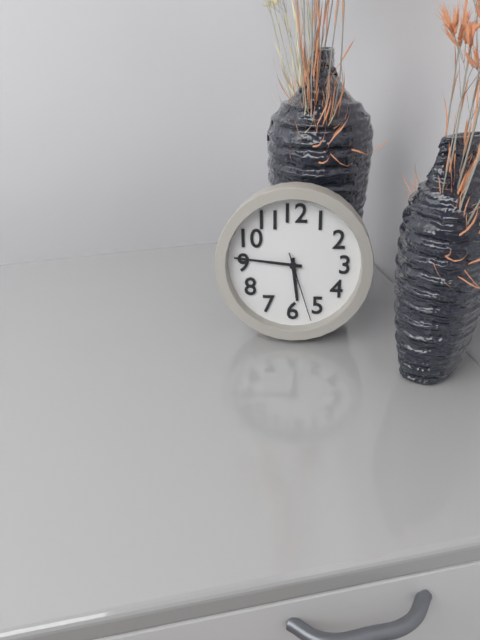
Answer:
5h46m27s
